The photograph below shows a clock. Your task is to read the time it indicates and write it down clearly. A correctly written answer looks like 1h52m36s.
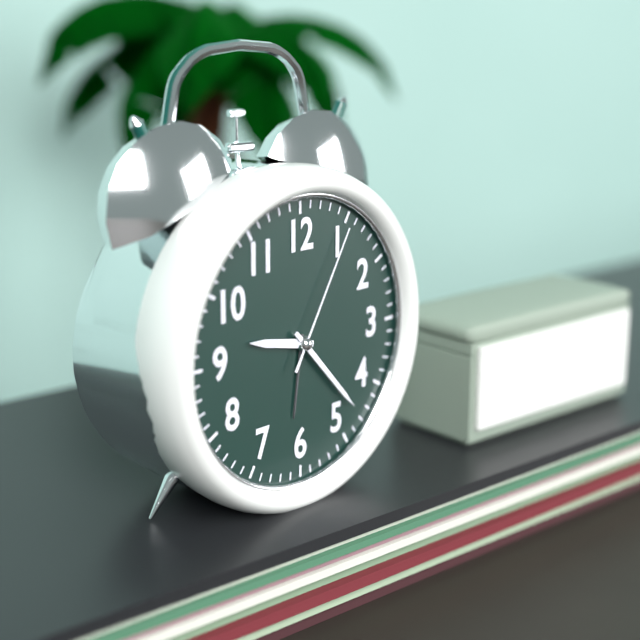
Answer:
9h23m05s
